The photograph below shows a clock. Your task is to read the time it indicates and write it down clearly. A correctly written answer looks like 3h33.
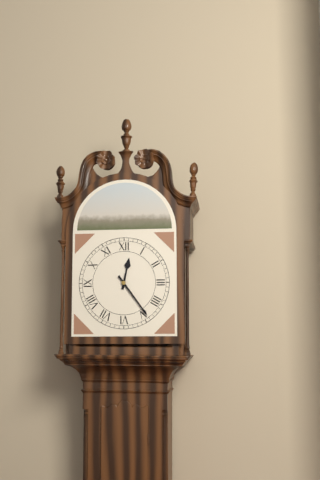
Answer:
12h24
